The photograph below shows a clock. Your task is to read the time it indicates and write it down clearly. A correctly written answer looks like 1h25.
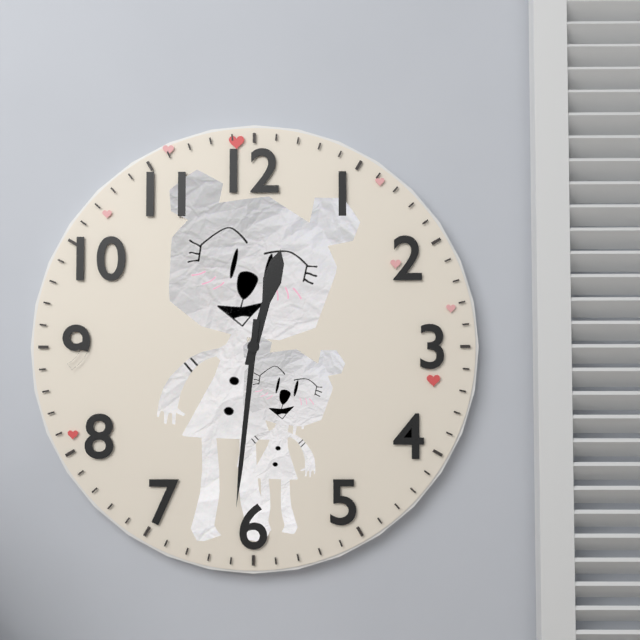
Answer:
12h31
